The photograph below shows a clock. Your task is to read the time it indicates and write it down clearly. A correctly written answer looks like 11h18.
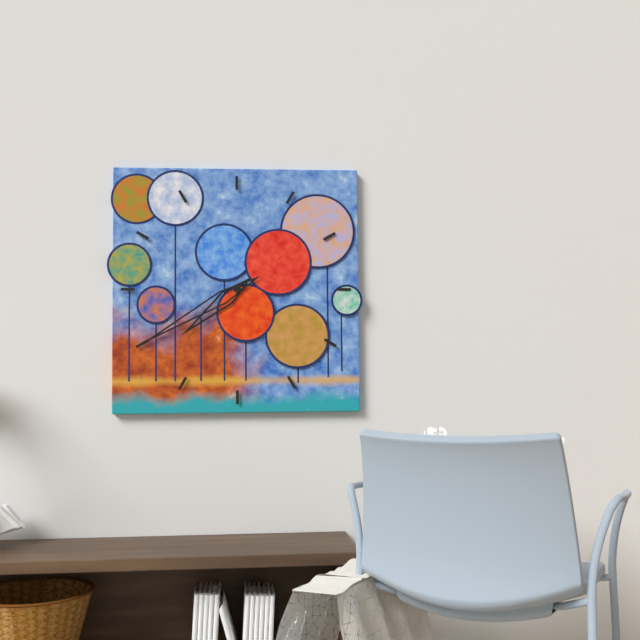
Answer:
7h40
